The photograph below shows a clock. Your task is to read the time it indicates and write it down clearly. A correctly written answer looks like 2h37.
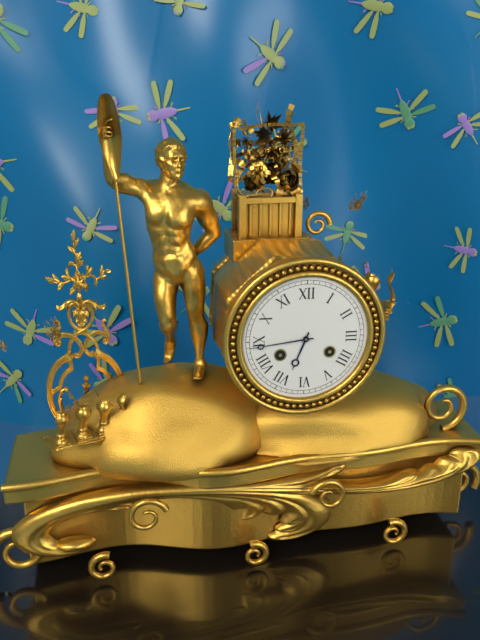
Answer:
6h44
